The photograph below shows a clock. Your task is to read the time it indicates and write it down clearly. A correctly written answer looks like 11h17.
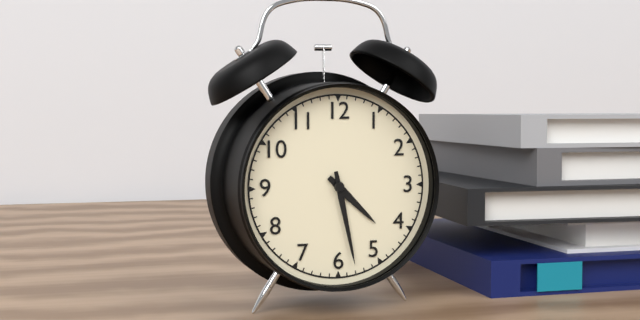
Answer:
4h28
